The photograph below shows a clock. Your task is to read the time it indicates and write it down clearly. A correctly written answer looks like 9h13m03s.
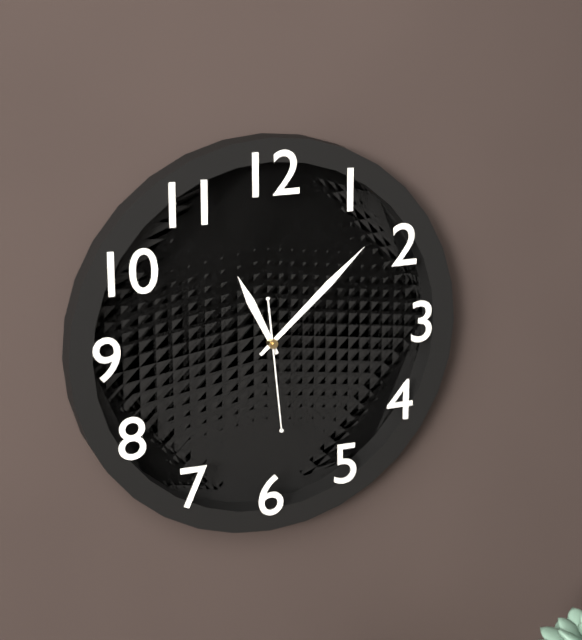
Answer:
11h08m29s
